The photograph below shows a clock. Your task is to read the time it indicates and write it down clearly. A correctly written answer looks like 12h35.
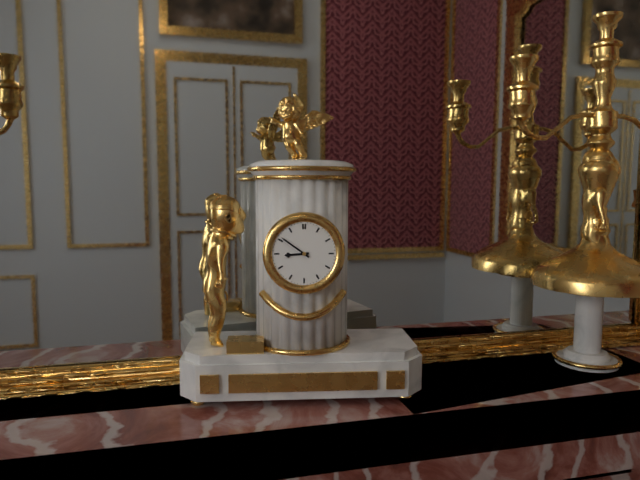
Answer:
8h51
